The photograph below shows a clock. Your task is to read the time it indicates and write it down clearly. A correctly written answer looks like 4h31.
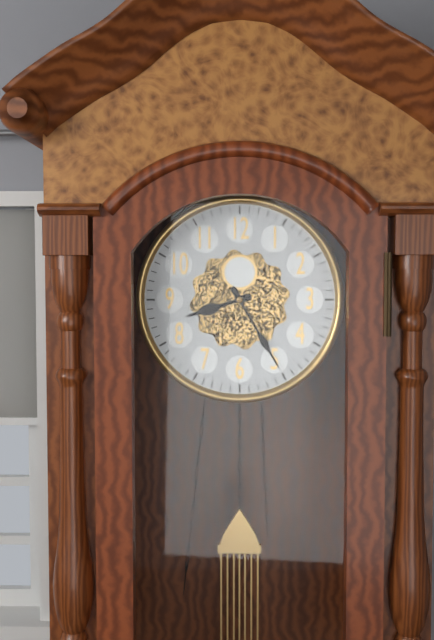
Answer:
8h25
